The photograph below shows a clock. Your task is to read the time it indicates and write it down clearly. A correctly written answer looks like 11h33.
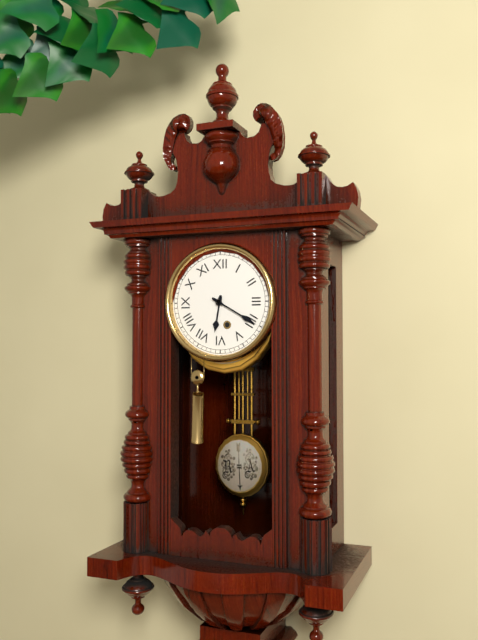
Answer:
6h20
